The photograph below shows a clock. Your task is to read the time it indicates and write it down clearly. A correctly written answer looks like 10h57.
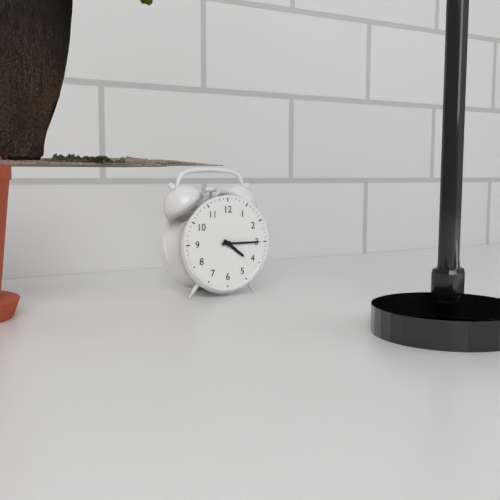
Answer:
4h15
